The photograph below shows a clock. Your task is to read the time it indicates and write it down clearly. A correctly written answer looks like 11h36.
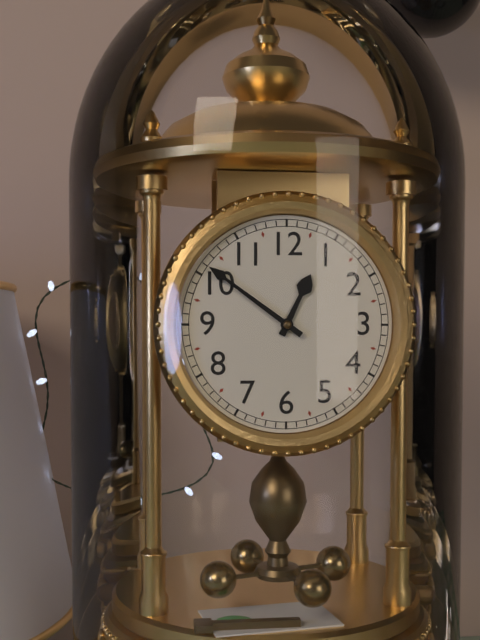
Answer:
12h51
